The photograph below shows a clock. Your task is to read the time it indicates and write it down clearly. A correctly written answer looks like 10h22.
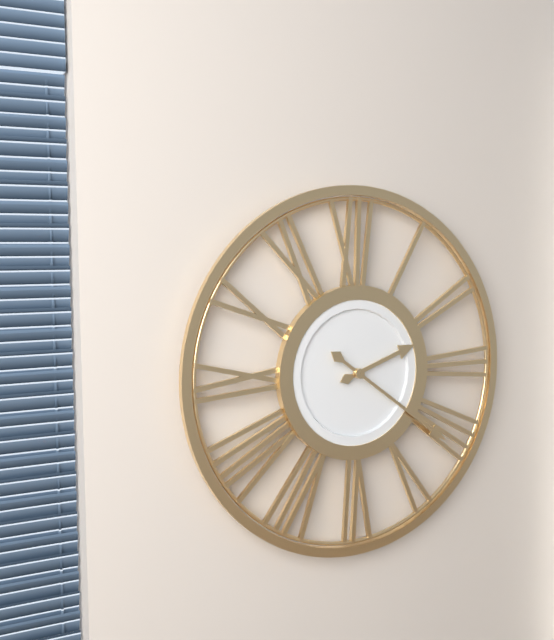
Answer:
2h21
